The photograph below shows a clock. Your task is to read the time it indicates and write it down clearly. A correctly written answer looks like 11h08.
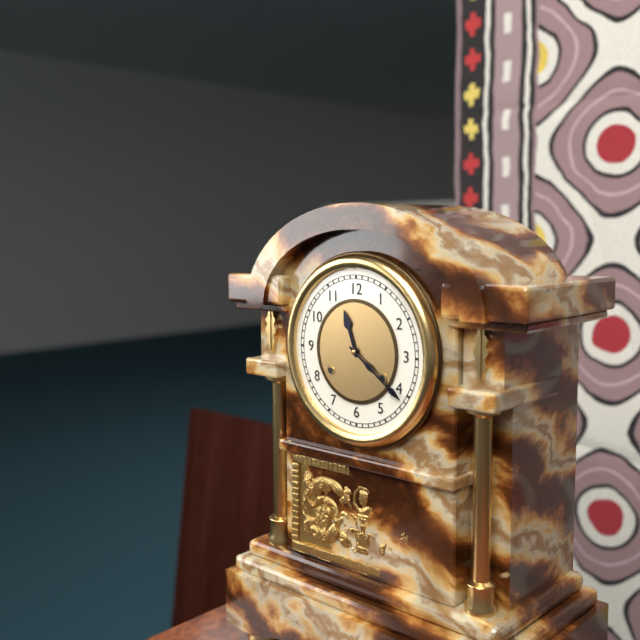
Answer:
11h21
